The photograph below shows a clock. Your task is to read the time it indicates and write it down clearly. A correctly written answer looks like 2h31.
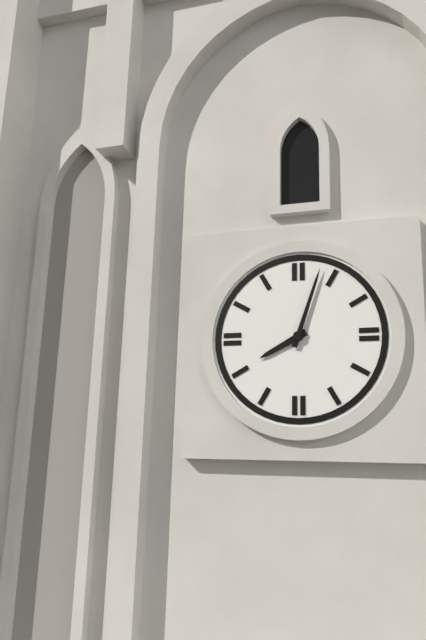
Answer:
8h03
